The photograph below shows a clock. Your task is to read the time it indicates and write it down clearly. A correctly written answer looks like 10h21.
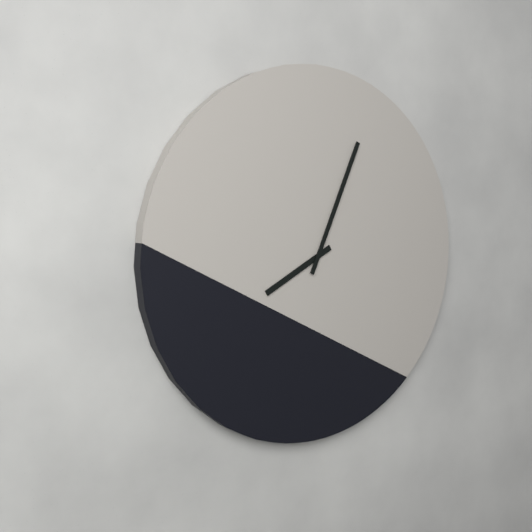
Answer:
8h04
